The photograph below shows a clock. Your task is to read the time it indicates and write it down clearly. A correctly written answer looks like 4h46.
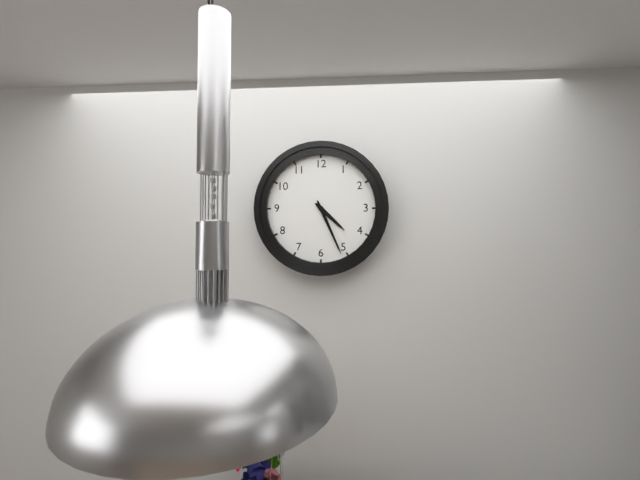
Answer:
4h26
